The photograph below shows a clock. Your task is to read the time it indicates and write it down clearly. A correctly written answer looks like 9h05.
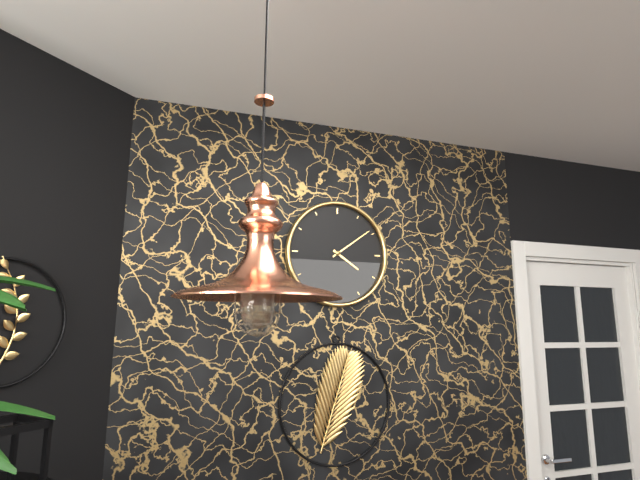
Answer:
4h09
